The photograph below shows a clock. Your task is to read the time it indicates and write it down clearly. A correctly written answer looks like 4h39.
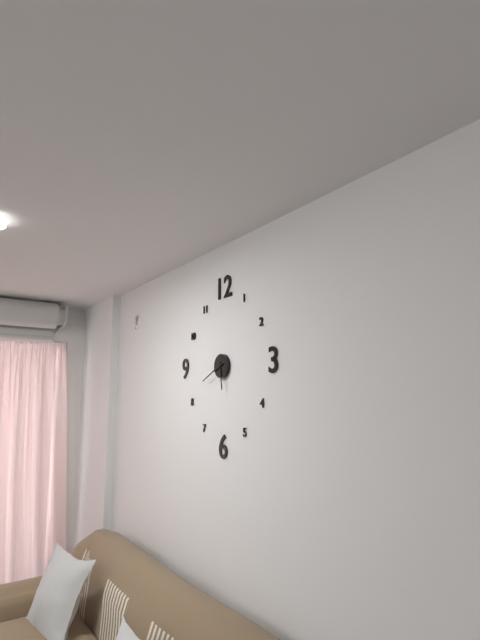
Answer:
5h41
